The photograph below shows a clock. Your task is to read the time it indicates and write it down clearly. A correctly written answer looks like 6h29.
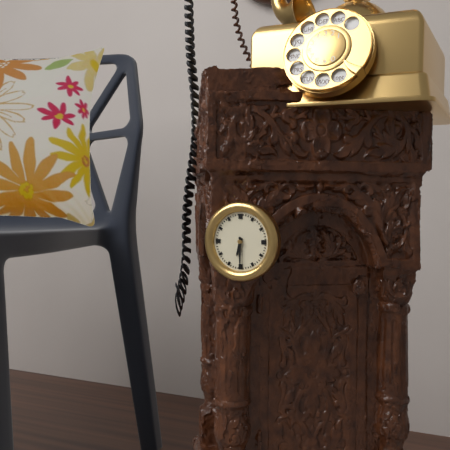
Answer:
6h30
